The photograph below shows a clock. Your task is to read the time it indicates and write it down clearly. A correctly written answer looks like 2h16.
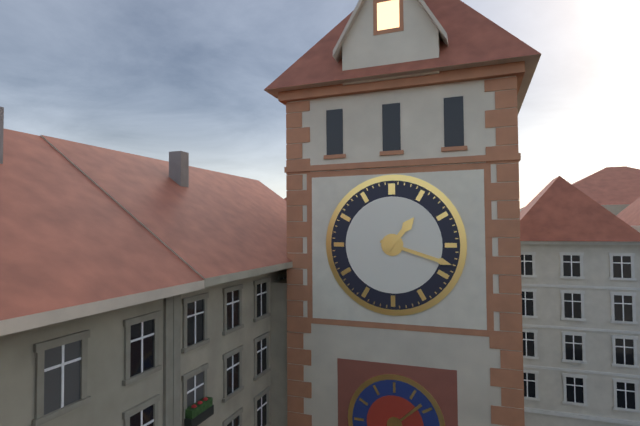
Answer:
1h18
